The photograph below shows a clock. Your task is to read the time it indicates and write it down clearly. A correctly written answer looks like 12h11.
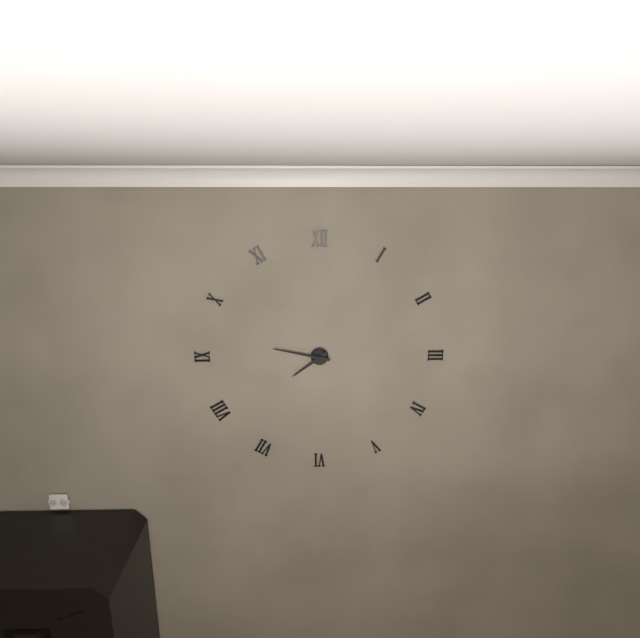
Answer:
7h47
